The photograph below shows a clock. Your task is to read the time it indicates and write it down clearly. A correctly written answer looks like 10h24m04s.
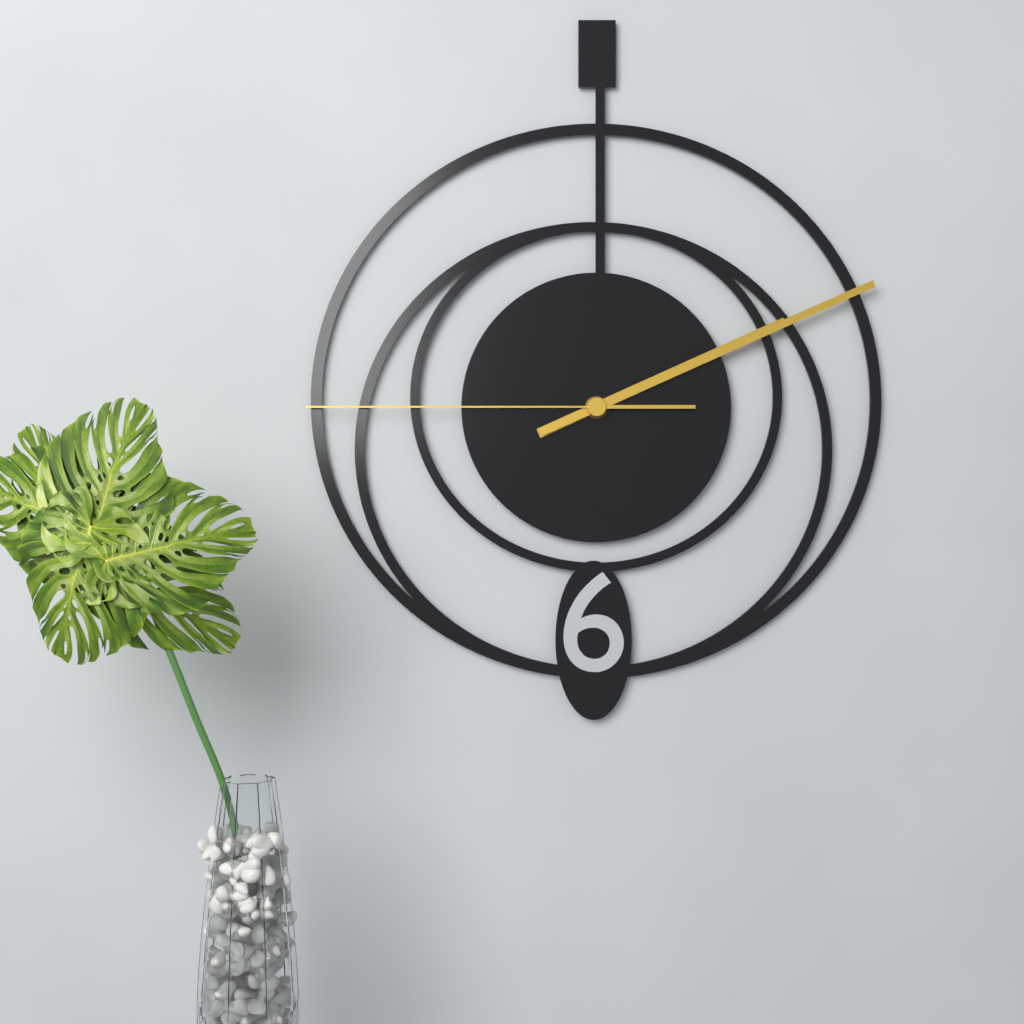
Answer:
2h11m45s
